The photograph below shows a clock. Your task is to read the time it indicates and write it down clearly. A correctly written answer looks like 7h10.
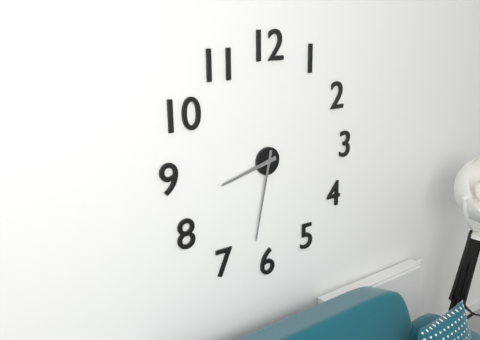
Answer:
8h32
